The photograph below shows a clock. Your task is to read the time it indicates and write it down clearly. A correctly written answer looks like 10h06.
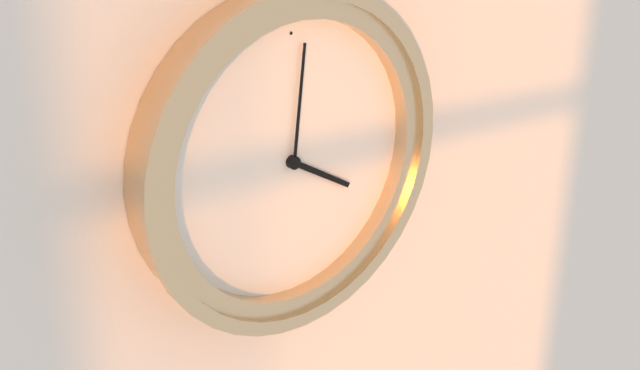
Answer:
4h01
